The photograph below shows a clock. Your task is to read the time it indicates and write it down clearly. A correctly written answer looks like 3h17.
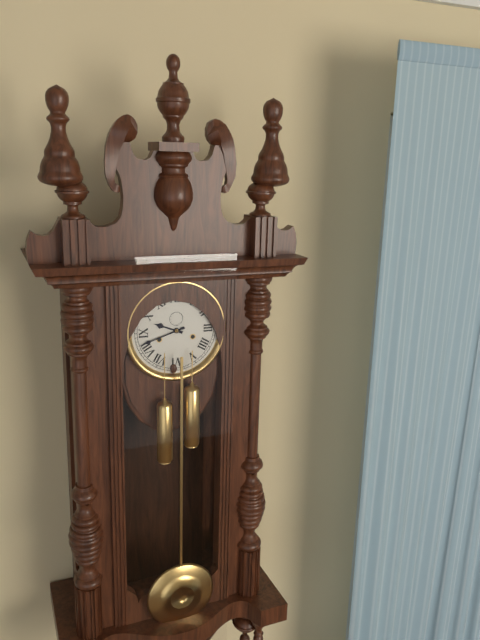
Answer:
9h42
